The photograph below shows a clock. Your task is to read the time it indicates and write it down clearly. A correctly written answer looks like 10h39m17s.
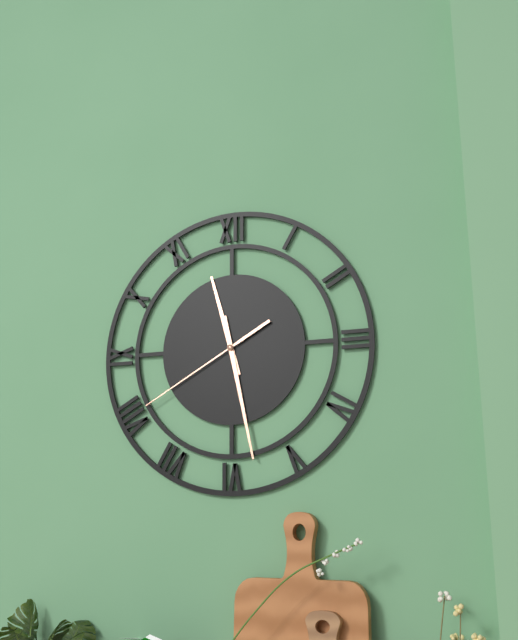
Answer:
11h28m40s
